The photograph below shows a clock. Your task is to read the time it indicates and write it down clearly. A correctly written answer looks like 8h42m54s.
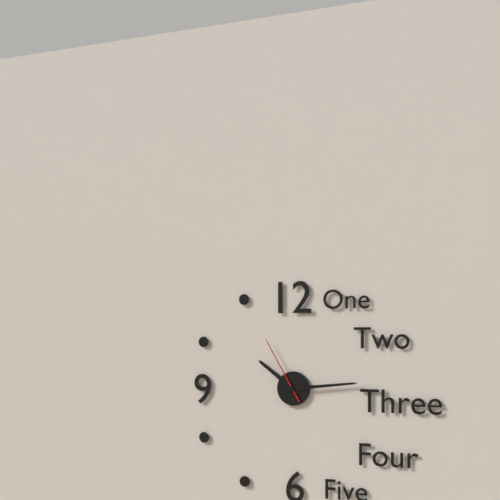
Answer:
10h14m55s
